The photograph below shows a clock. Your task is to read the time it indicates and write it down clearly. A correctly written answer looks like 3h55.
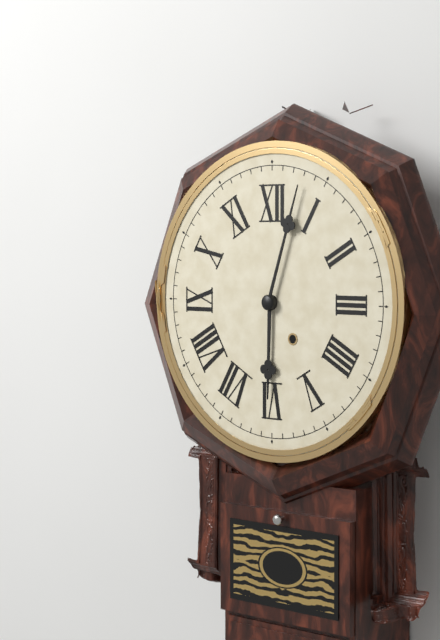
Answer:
6h03
